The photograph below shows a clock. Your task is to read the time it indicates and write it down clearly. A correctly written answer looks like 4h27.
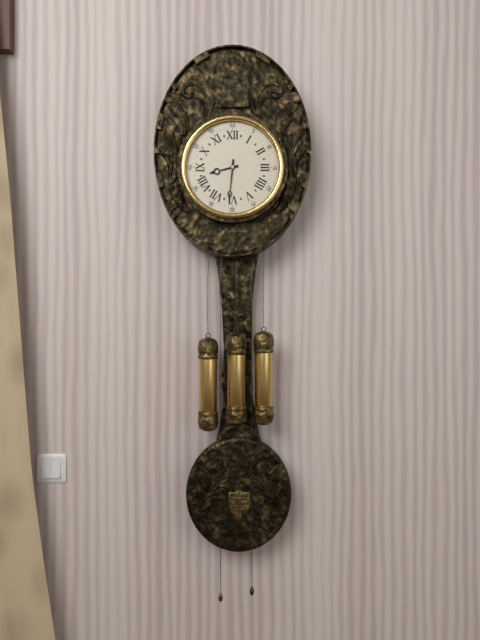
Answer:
8h31
